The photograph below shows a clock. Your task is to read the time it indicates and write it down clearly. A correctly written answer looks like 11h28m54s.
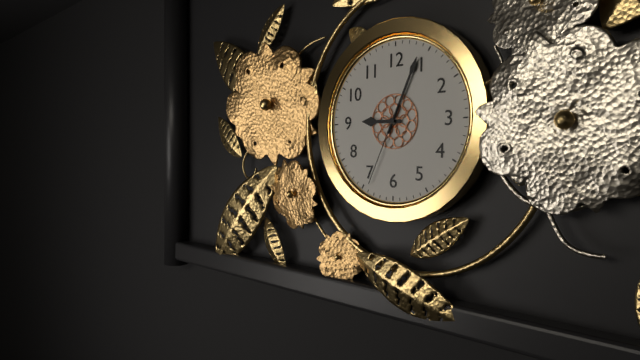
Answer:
9h04m34s
